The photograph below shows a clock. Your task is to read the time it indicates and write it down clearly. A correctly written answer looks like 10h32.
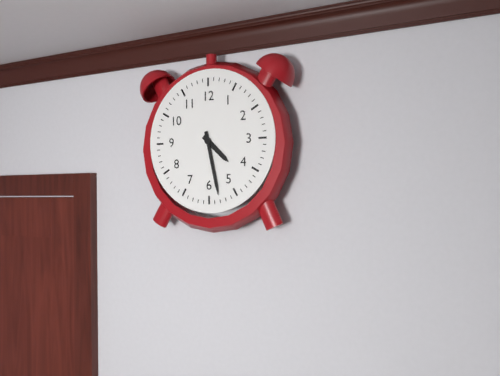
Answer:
4h28
